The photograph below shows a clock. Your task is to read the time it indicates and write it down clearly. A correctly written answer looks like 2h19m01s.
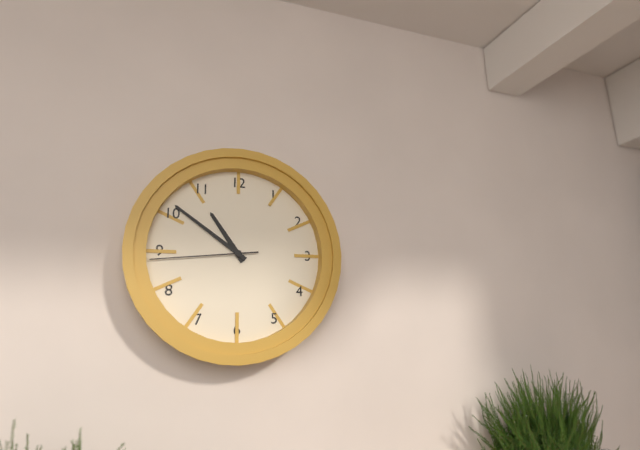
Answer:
10h51m44s
